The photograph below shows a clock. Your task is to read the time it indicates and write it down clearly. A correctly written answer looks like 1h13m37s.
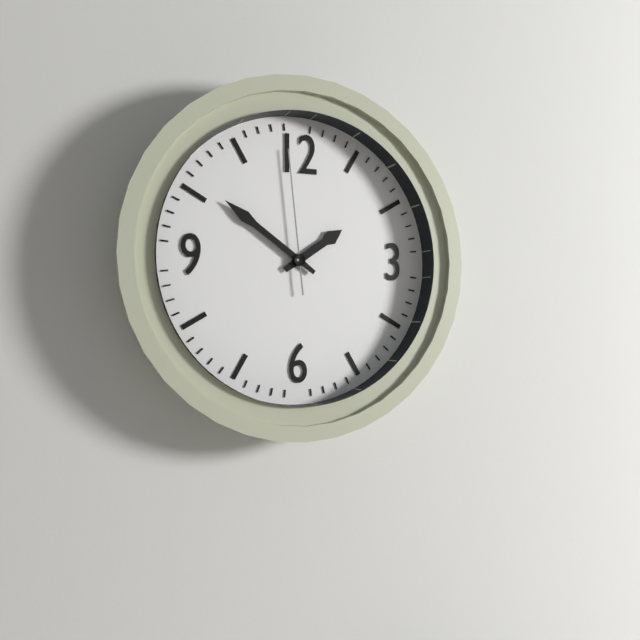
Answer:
1h51m59s
